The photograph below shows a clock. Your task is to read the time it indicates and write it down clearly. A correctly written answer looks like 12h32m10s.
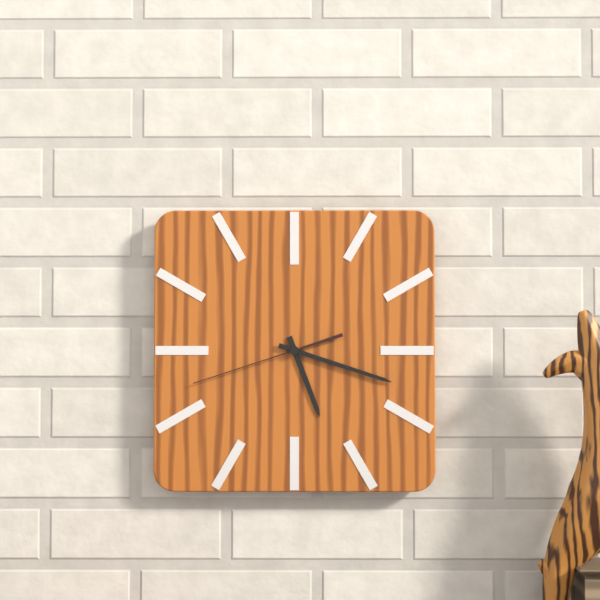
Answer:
5h18m42s
